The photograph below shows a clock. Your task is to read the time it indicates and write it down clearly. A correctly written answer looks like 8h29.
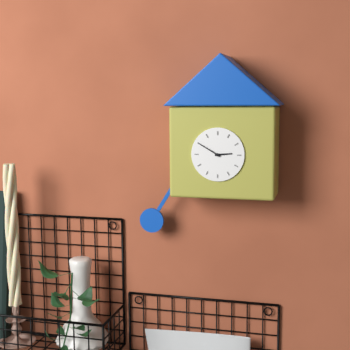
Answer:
2h50
